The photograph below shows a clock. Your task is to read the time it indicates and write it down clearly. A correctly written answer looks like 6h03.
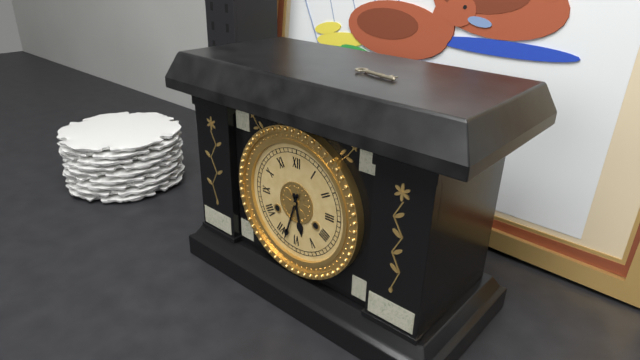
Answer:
5h33
